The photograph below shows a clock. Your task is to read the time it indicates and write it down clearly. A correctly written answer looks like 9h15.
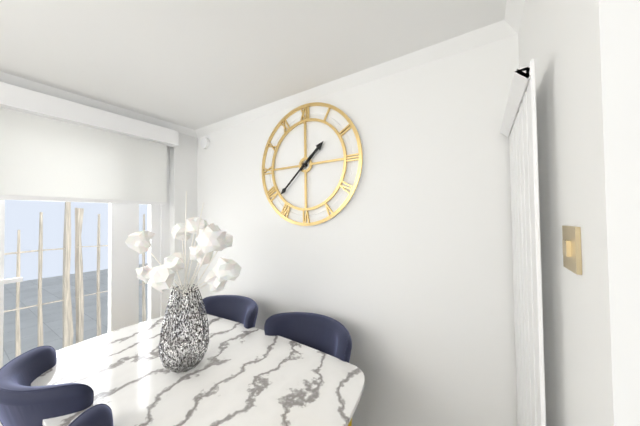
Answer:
1h38
